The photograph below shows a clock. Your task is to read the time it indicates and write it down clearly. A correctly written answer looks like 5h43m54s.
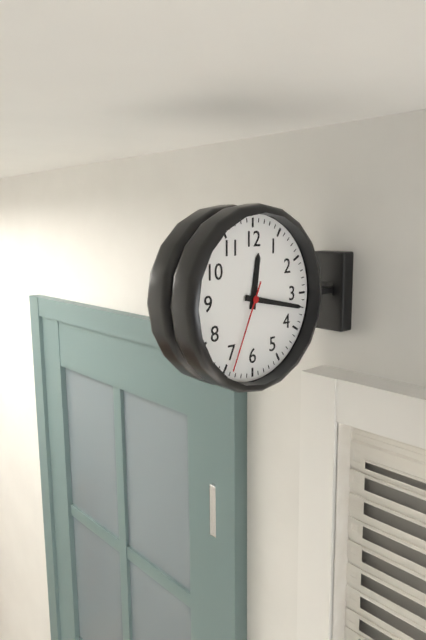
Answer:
12h17m34s
